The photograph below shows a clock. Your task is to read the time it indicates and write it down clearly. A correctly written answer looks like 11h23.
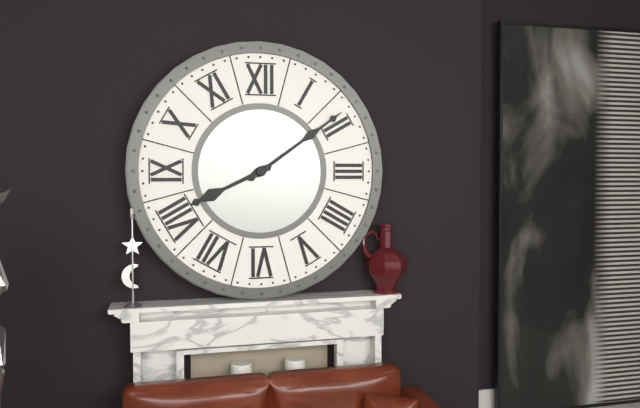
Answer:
8h09
